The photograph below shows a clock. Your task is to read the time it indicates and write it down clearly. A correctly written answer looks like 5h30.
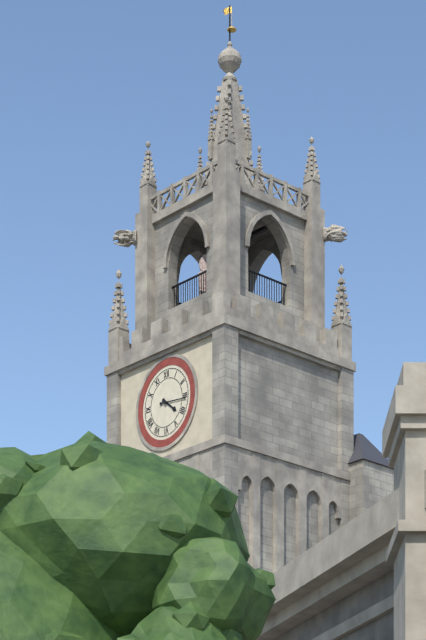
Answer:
4h16
